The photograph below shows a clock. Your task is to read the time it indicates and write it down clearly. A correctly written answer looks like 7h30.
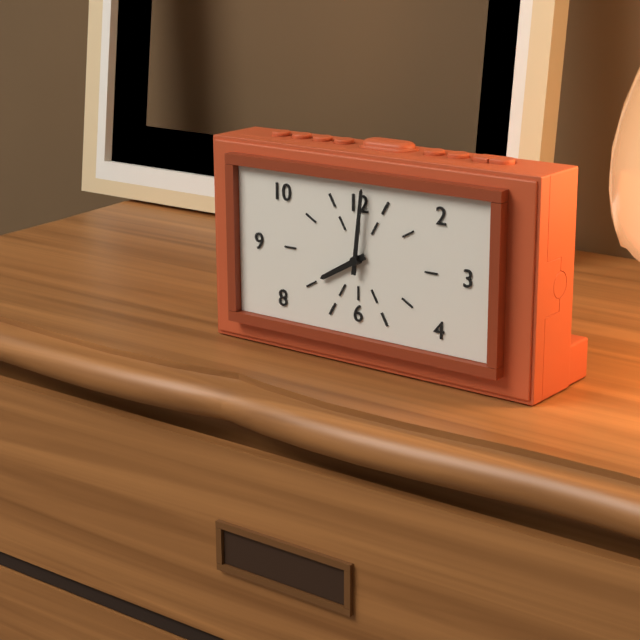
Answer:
8h01
